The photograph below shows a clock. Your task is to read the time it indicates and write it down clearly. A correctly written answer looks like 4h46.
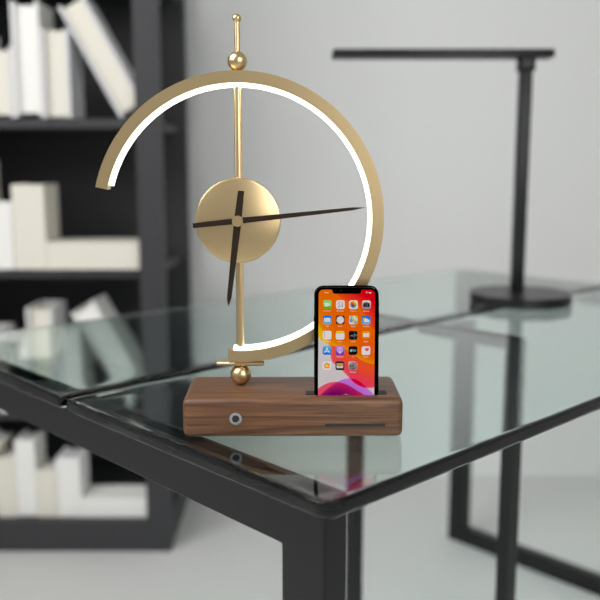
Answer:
6h14
